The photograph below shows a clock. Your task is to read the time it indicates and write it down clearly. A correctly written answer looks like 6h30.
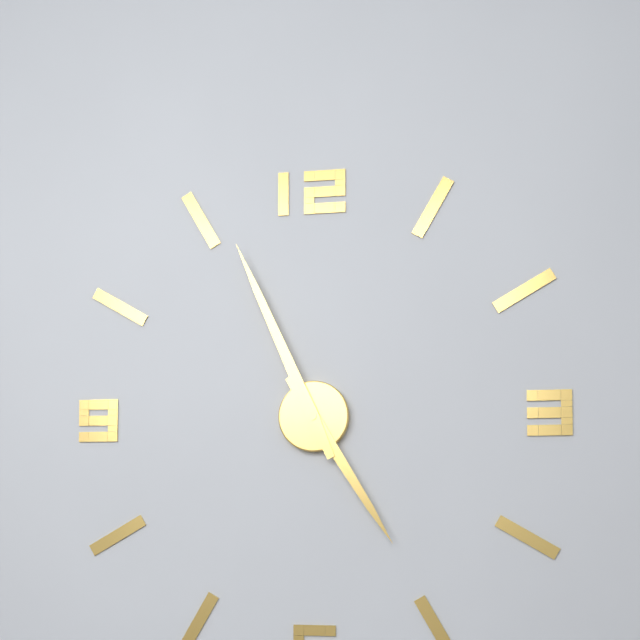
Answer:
4h56
